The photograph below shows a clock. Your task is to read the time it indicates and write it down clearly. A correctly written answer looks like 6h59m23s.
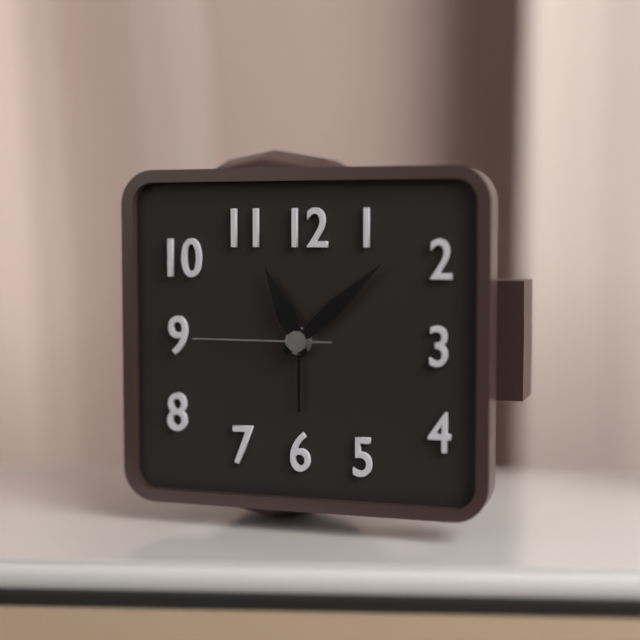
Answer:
11h08m45s
